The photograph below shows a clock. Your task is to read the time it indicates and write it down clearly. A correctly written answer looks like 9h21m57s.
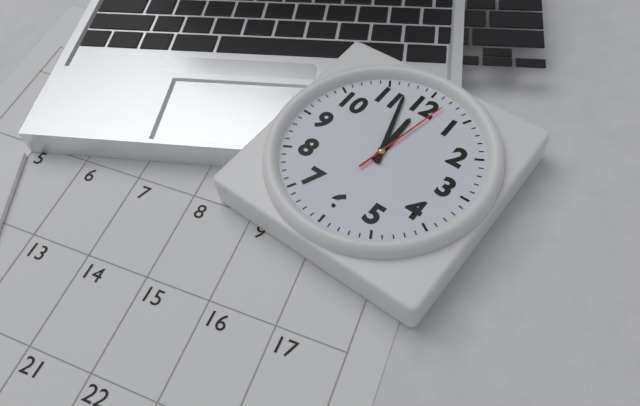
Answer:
11h57m02s
